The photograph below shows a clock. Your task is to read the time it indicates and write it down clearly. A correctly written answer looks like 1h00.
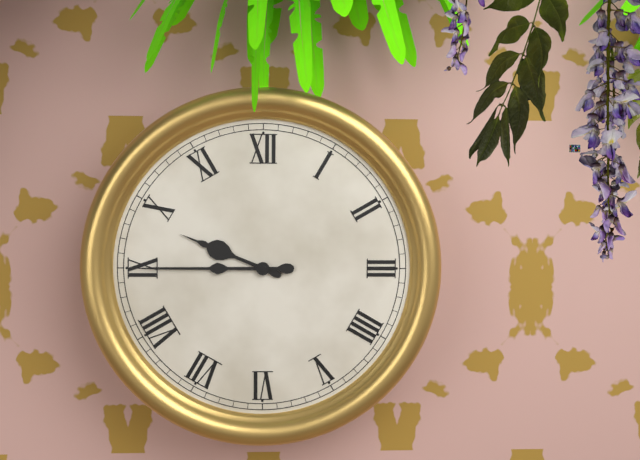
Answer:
9h45
